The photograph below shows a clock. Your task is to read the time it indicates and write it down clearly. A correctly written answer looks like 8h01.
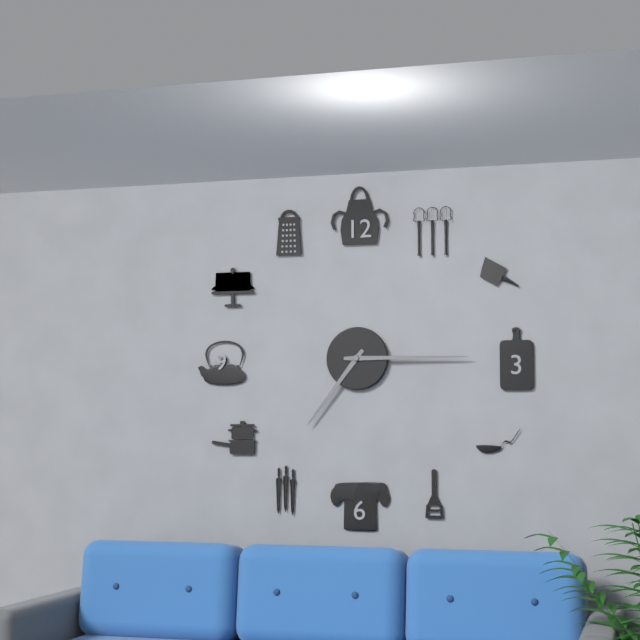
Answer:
7h15
